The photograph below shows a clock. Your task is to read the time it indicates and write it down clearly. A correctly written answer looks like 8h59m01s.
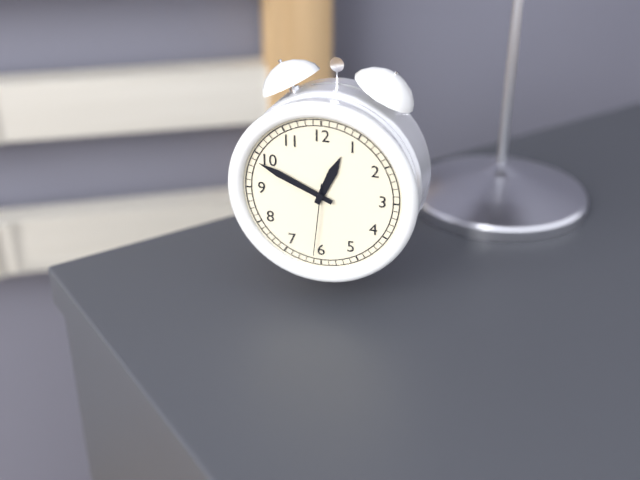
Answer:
12h49m31s
